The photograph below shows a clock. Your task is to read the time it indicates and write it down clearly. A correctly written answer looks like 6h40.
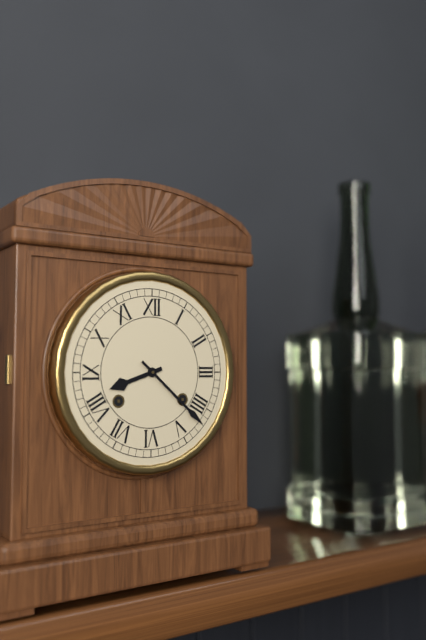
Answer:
8h22
